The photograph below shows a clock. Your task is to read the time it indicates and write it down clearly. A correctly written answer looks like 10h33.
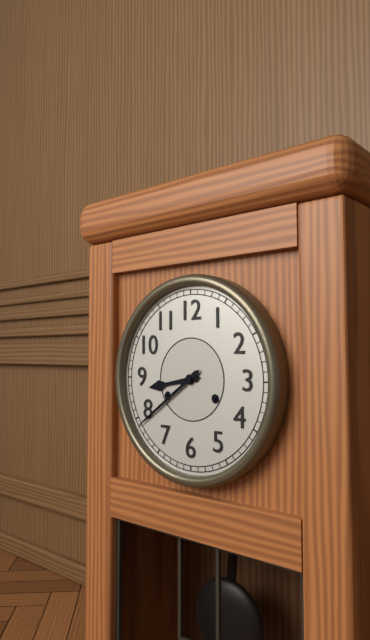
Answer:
8h39
